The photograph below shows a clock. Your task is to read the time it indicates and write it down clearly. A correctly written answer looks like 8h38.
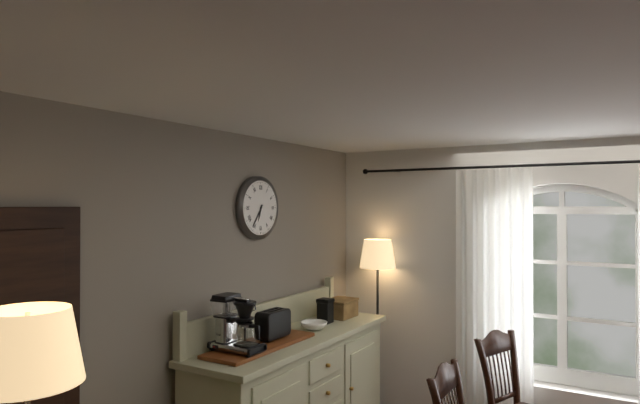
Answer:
6h36
